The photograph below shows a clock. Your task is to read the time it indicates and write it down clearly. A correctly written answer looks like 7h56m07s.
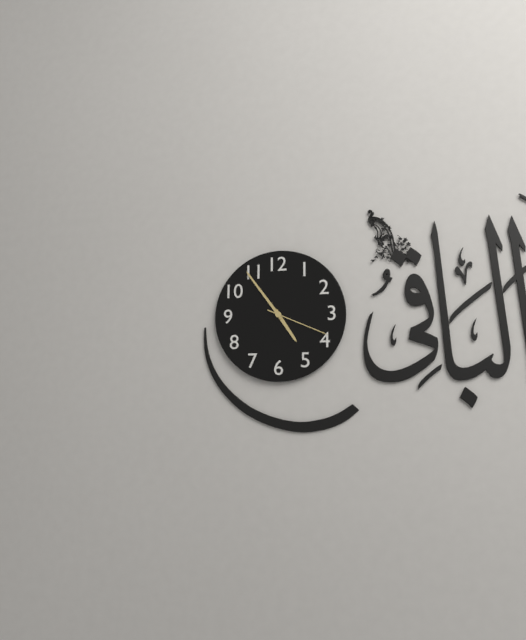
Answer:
4h54m19s
